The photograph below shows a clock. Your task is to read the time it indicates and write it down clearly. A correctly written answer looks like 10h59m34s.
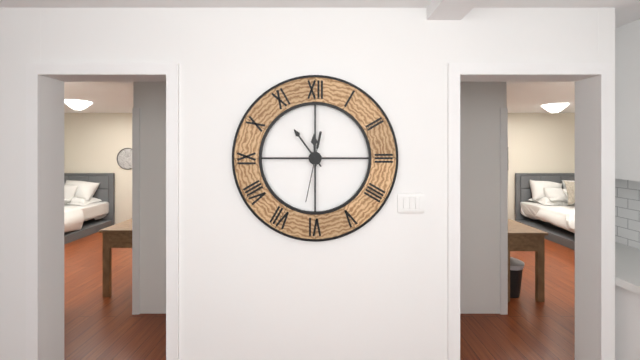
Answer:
11h54m32s
